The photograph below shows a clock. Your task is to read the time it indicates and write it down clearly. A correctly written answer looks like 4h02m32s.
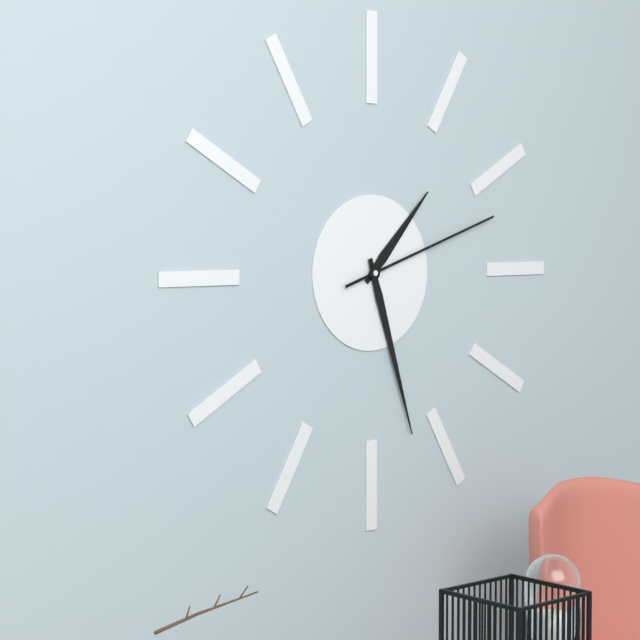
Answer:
1h27m12s
